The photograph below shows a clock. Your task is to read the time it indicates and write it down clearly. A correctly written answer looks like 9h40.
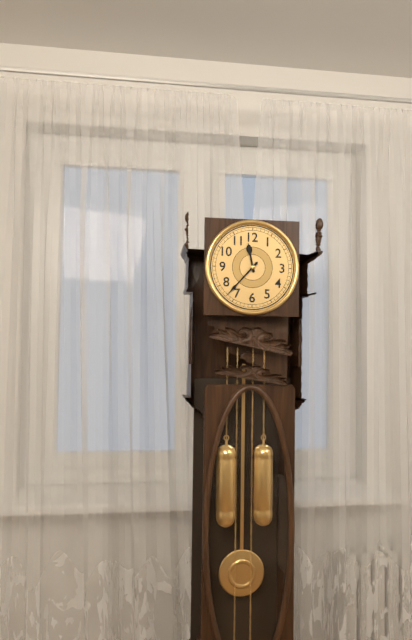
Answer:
11h37
